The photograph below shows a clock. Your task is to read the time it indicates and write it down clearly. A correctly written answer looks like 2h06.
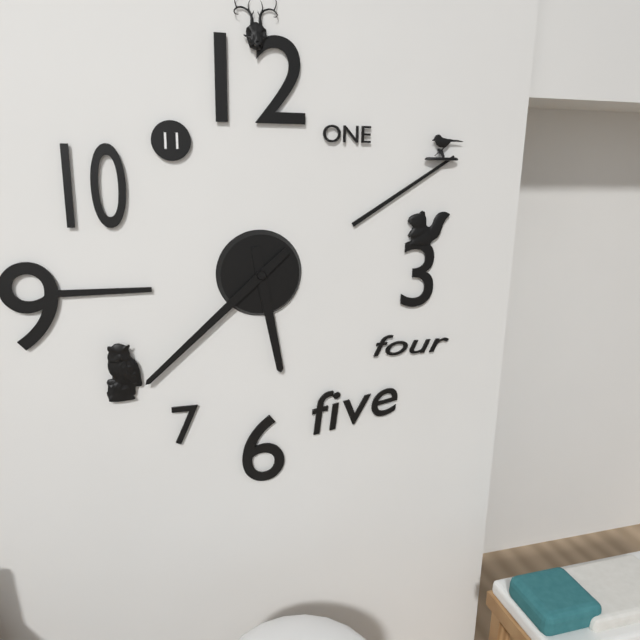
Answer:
5h38
